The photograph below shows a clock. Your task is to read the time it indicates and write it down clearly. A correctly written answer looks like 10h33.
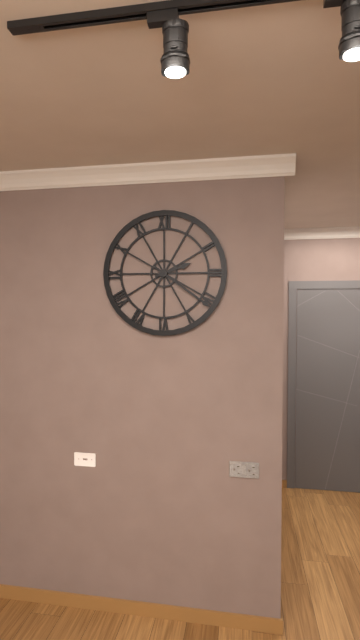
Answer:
2h21
